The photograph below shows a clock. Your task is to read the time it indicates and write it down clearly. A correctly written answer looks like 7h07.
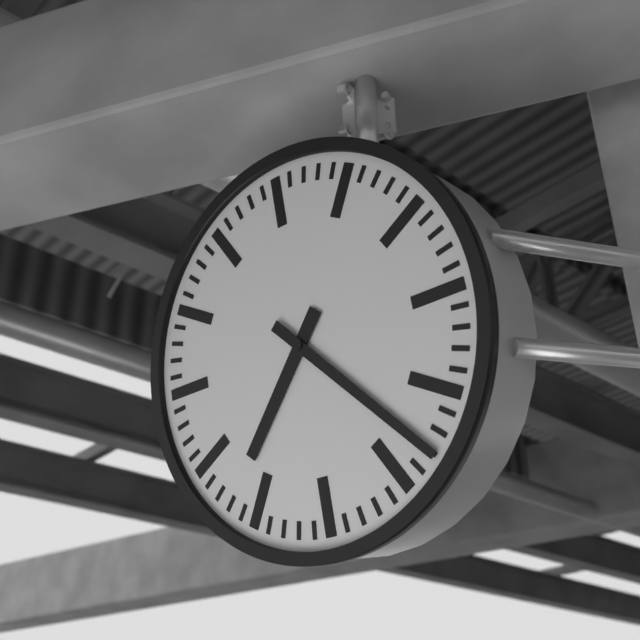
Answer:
7h23
